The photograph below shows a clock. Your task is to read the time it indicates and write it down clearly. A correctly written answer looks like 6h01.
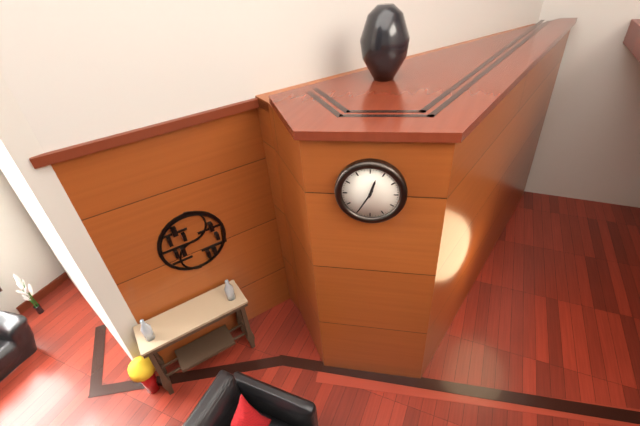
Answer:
12h35
